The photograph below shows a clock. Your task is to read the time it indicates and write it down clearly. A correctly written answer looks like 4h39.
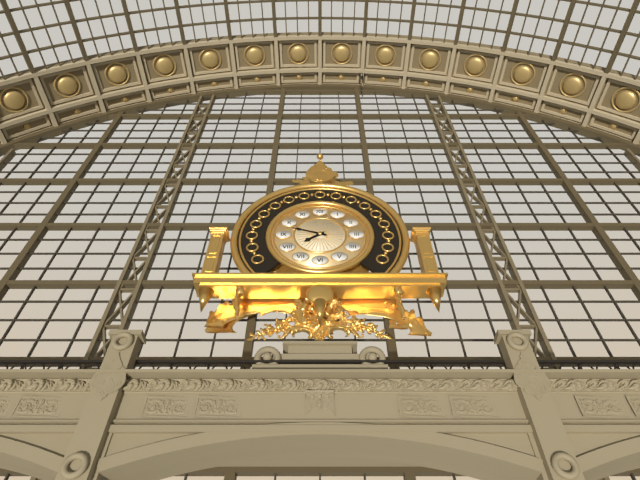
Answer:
7h48
